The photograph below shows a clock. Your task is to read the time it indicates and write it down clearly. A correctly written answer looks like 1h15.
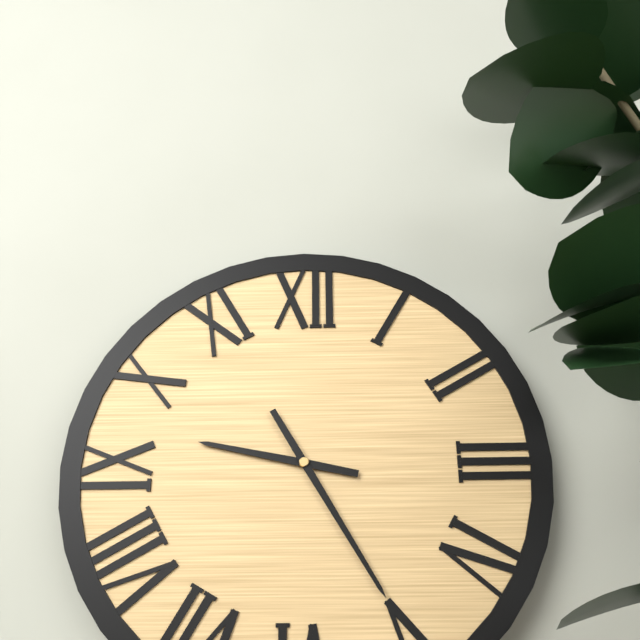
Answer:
9h25
